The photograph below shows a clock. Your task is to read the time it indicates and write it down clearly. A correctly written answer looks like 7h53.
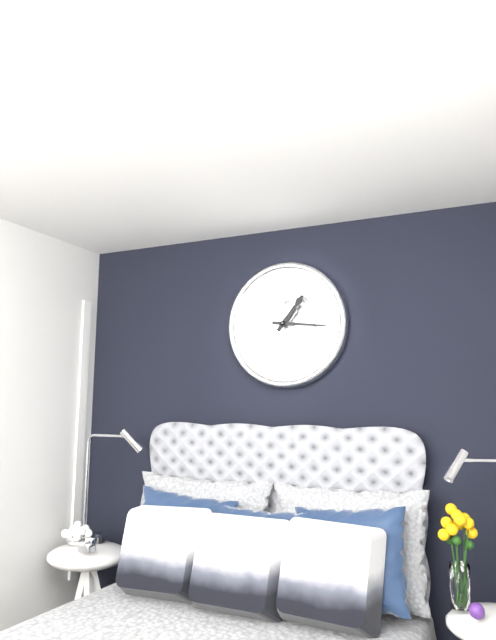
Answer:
1h16
